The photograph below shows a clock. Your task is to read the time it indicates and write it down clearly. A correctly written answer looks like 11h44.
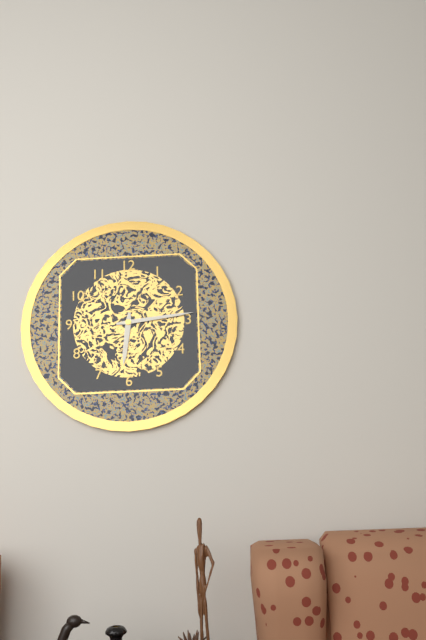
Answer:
6h14
